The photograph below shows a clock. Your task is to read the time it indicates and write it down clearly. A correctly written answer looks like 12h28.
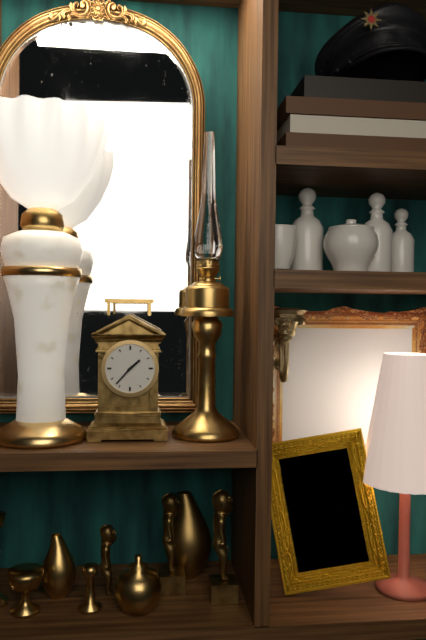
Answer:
1h37
